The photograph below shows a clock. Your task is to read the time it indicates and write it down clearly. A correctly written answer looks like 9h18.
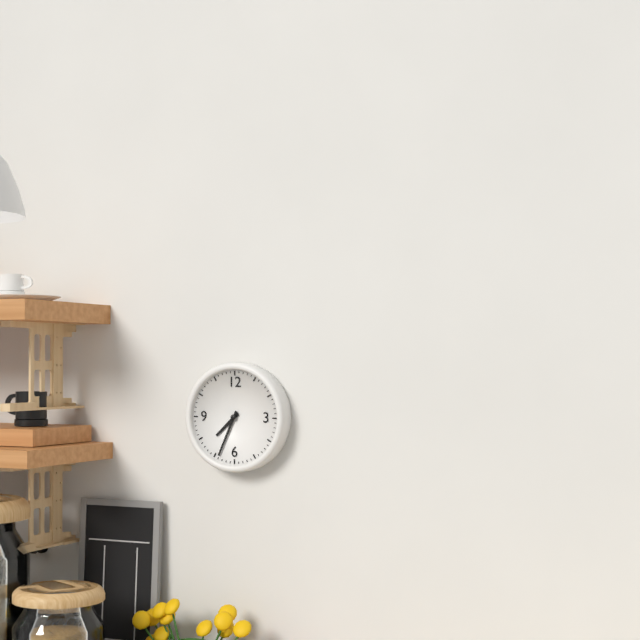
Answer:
7h34
